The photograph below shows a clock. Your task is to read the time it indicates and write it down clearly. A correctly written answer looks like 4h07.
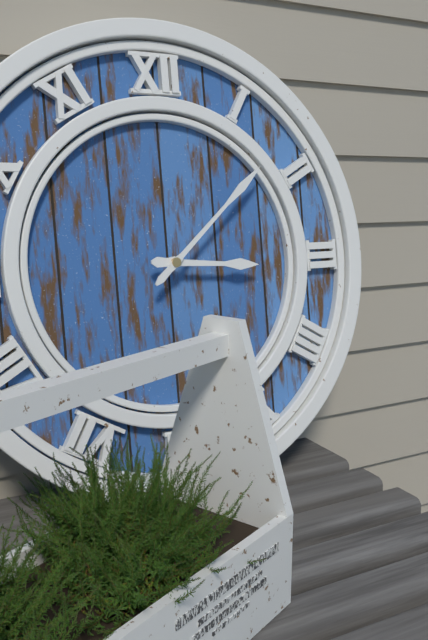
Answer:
3h08
